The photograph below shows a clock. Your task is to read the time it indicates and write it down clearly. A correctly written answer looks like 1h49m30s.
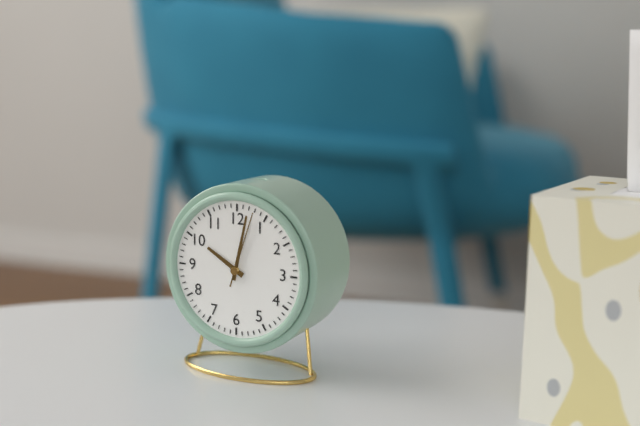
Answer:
10h02m03s
